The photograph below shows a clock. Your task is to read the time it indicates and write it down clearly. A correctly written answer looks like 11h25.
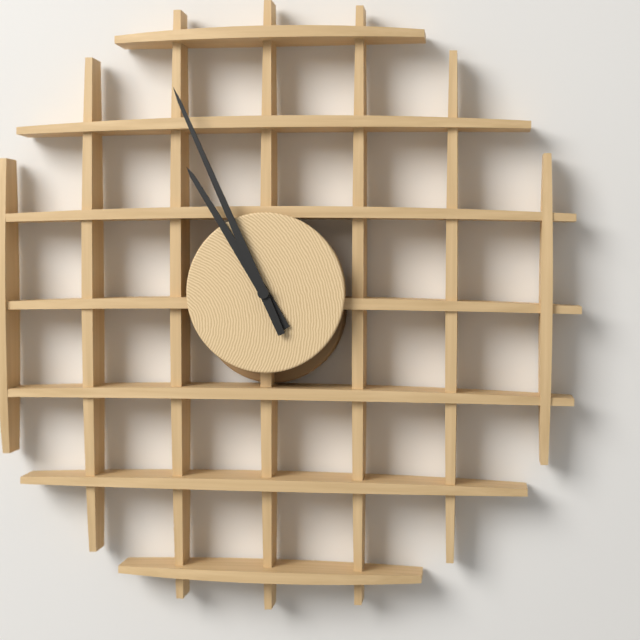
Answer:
10h56
